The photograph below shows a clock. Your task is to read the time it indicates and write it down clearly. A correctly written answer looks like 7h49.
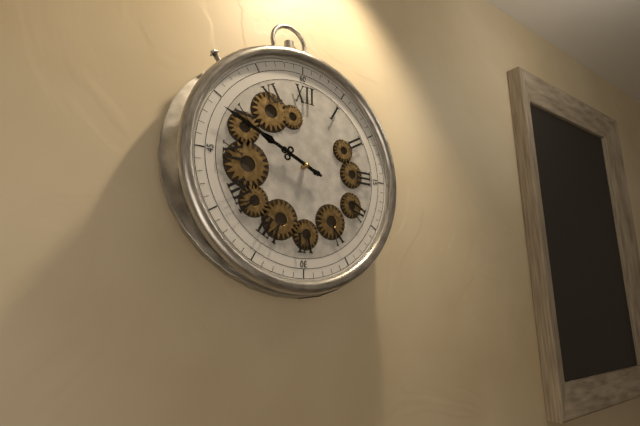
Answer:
9h49
